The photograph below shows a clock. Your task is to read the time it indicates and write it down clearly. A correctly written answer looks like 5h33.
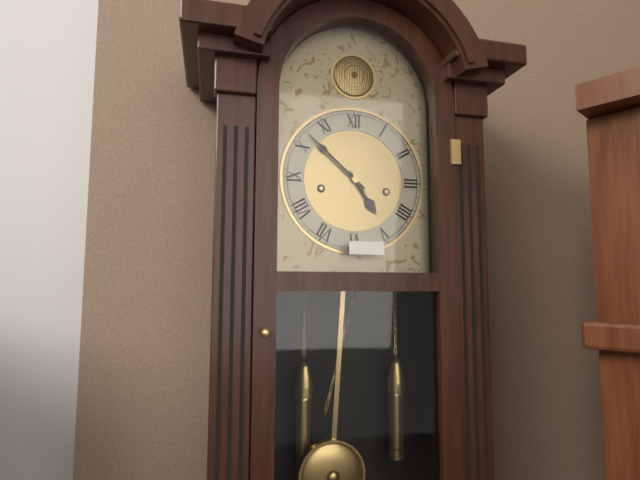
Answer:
4h52
